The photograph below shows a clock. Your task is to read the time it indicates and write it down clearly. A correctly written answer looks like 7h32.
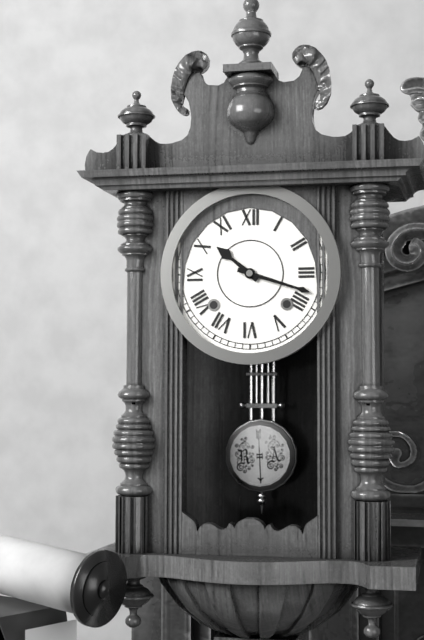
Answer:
10h18
